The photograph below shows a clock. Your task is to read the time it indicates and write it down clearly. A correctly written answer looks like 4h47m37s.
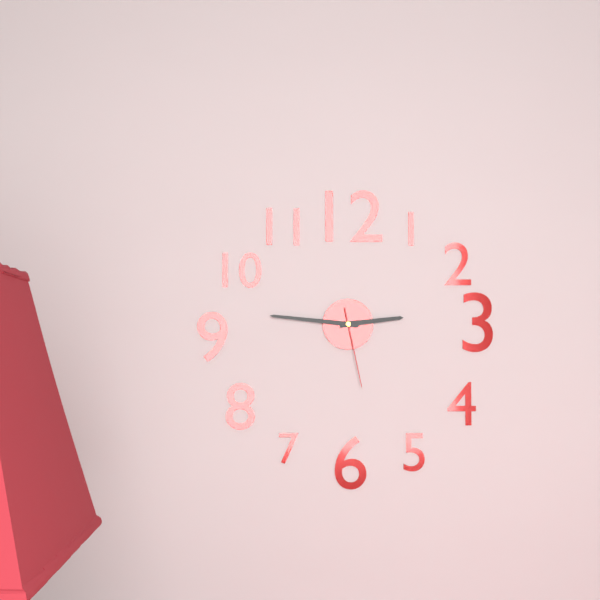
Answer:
2h46m28s
